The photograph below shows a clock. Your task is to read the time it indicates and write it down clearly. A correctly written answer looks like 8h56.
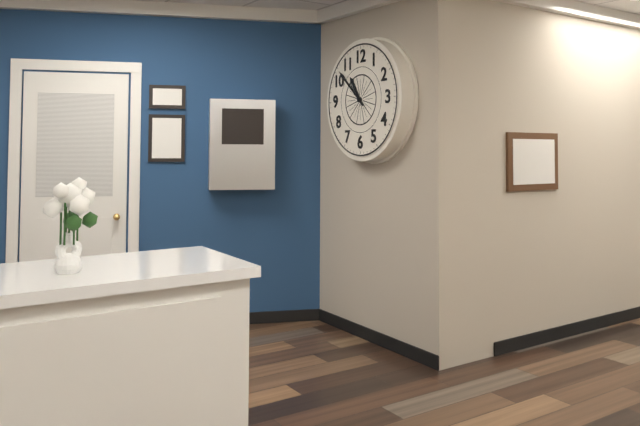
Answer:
10h52
